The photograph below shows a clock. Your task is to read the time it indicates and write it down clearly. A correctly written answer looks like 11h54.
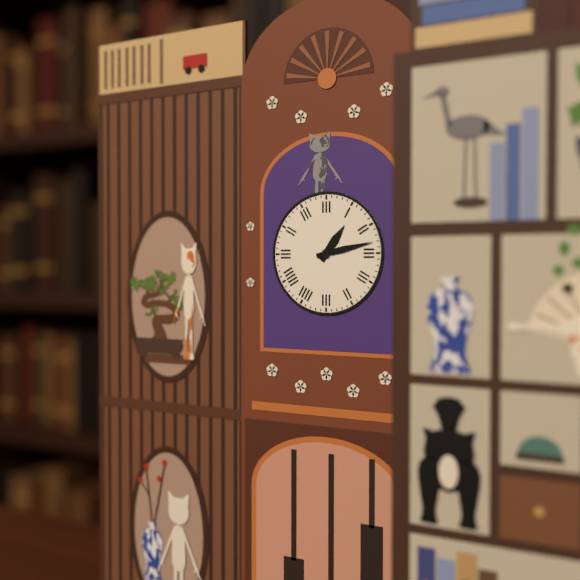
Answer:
1h13
